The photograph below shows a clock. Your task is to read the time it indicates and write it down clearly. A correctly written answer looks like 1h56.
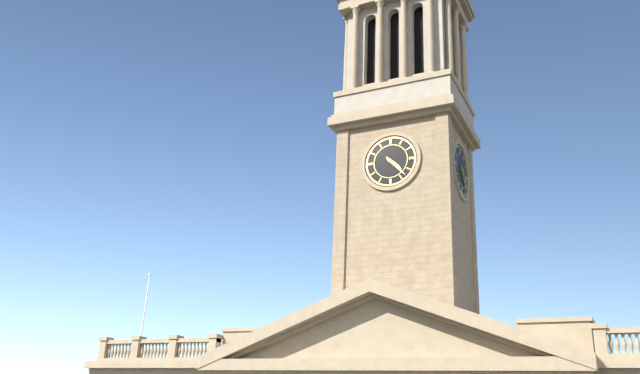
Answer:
4h23
